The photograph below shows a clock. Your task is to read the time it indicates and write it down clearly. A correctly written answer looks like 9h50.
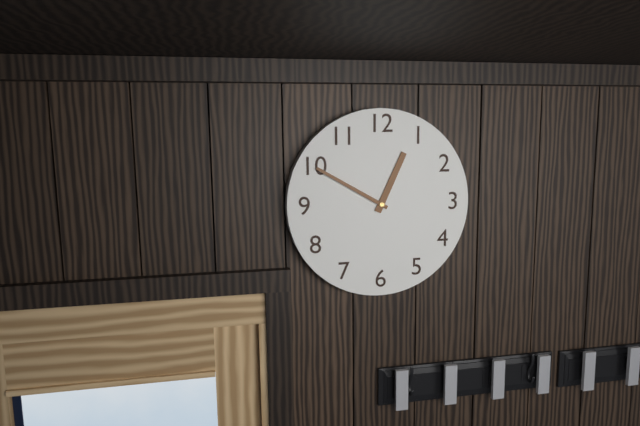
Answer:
12h50
